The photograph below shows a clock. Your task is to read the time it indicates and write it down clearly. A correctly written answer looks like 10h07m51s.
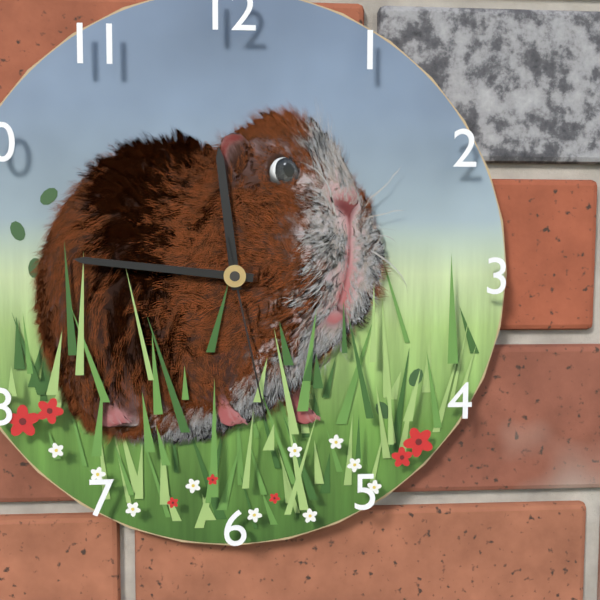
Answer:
11h46m28s
